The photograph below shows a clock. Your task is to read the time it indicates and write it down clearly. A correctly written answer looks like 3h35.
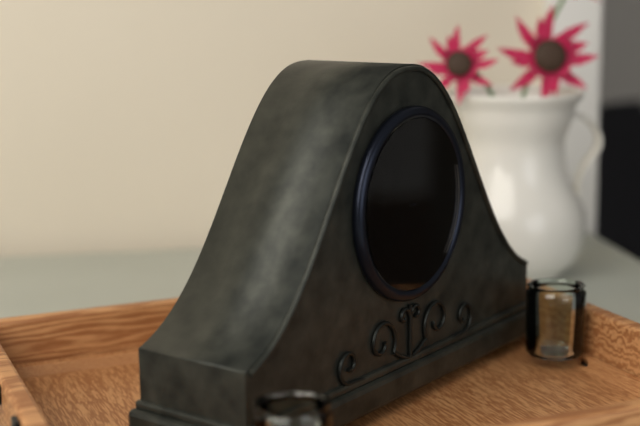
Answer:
6h49
